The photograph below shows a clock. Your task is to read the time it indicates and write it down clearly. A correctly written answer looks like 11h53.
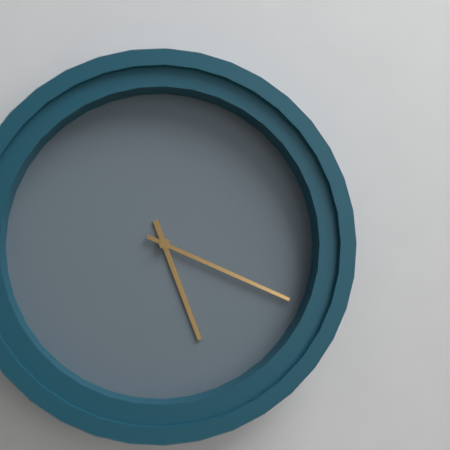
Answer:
5h19
